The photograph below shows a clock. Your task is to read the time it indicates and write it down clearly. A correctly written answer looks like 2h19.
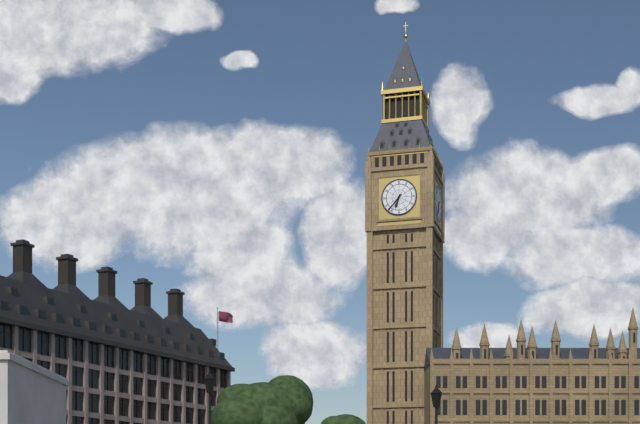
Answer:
6h37
